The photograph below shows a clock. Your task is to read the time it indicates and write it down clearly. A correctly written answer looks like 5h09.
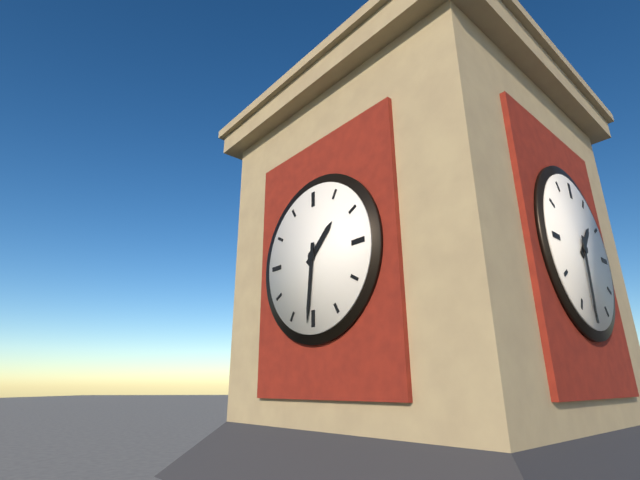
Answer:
1h31
